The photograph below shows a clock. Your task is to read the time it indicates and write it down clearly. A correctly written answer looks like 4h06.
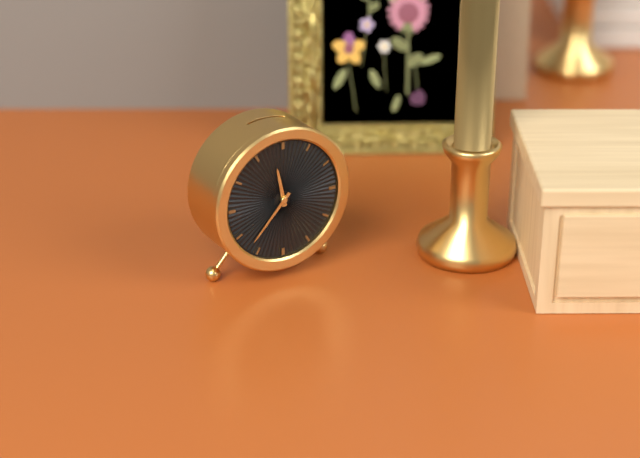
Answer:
11h37
